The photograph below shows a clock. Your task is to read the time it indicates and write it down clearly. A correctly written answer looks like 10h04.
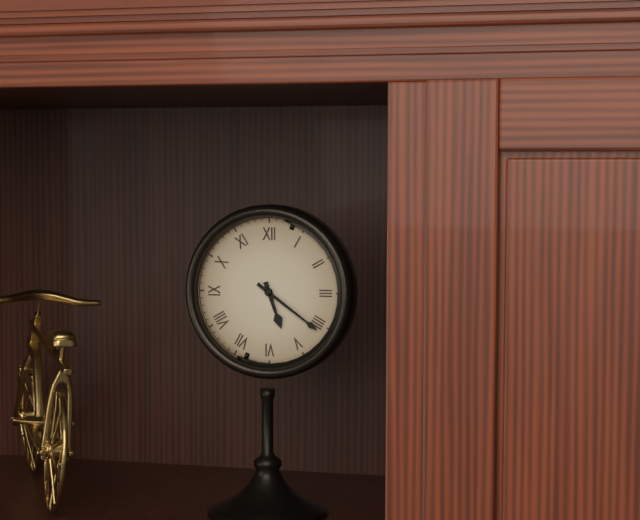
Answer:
5h21
